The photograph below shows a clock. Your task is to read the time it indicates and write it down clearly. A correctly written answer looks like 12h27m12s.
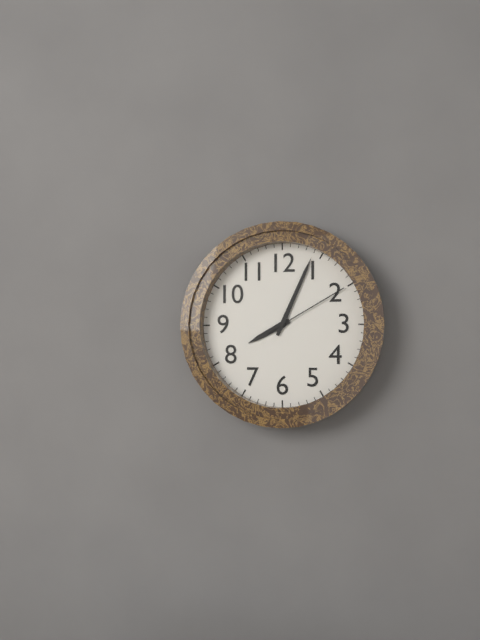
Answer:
8h04m10s
